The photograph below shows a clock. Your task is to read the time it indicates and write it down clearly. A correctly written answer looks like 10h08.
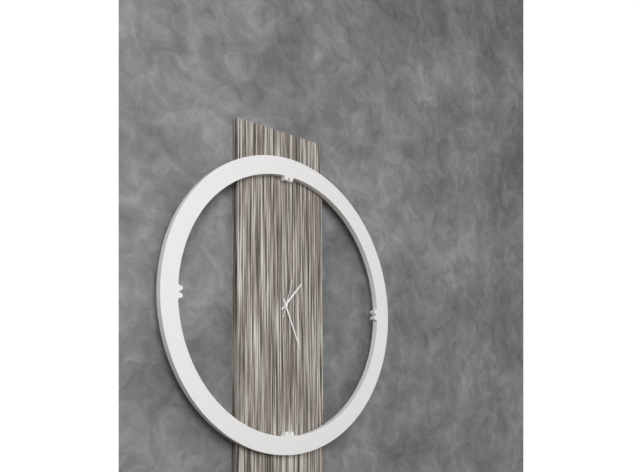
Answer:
1h26
